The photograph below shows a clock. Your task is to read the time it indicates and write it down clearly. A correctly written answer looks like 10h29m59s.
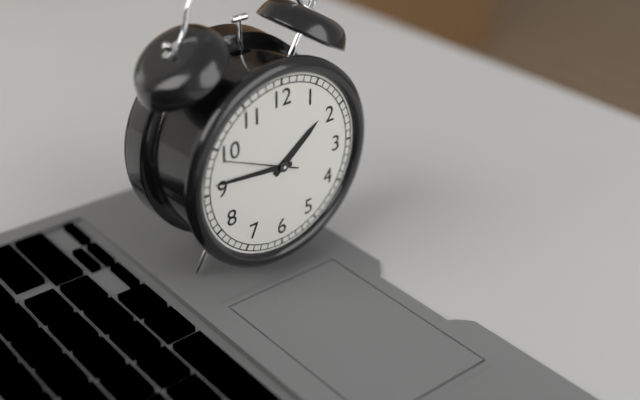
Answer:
1h46m49s
